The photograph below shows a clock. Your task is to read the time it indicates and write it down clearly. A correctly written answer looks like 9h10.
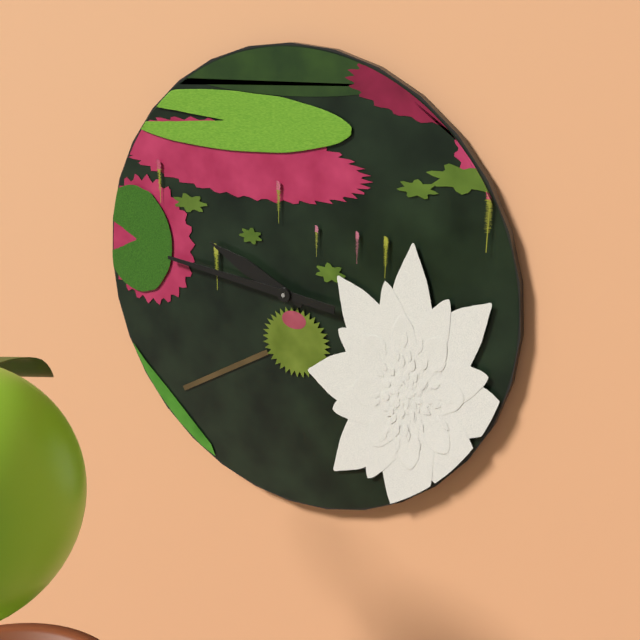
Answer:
9h46
